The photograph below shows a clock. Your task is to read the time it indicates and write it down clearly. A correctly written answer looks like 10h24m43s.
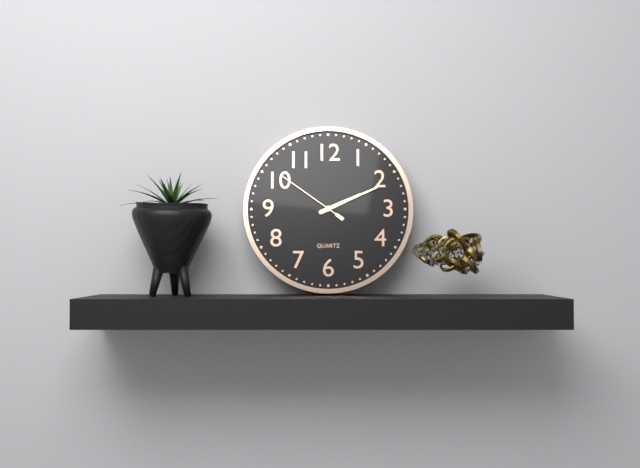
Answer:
2h11m51s
